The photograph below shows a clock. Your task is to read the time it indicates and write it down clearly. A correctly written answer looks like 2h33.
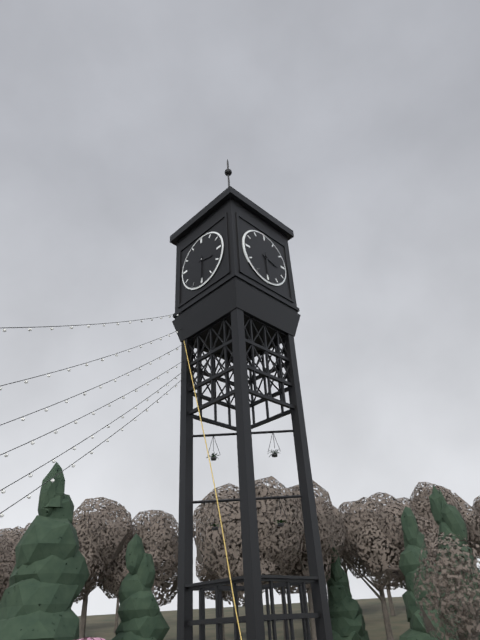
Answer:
3h30
